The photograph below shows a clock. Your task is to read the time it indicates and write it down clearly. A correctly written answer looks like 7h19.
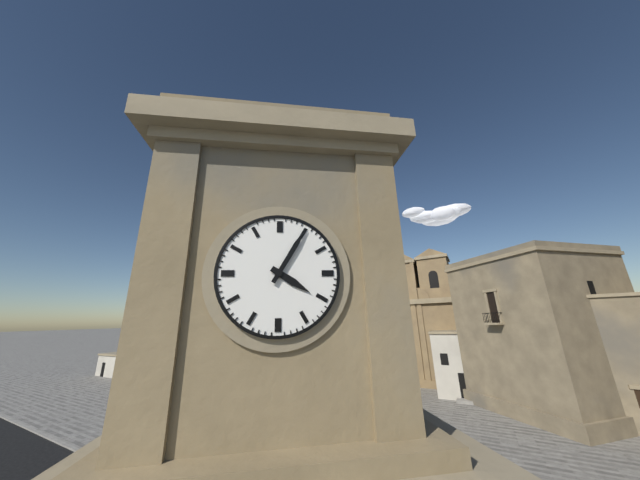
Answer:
4h05
